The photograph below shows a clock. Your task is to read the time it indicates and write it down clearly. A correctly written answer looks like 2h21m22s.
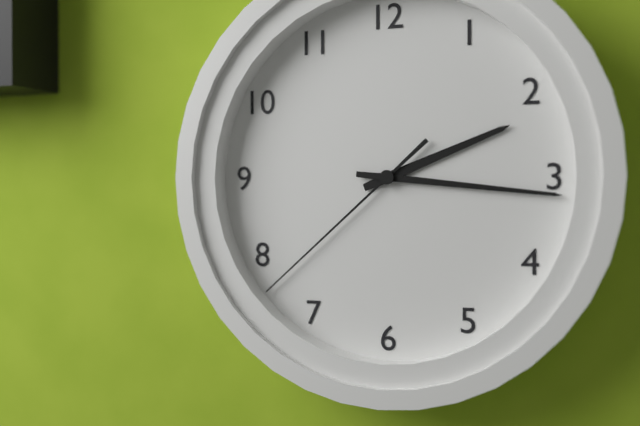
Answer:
2h16m38s
